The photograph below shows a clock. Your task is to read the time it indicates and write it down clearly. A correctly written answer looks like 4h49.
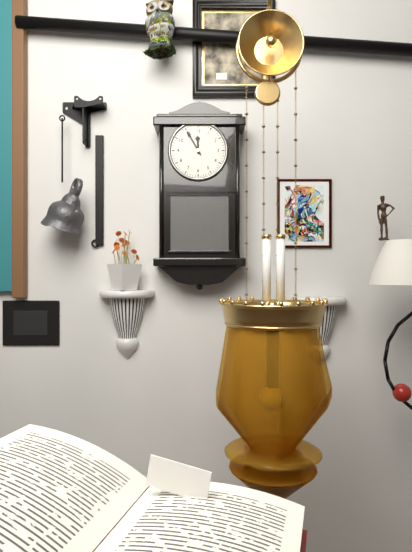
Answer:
11h55
